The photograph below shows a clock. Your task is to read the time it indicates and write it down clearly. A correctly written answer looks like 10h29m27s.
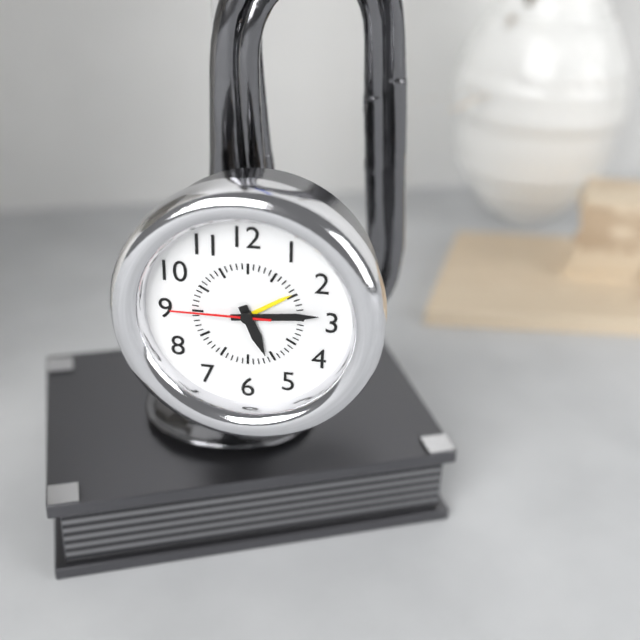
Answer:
5h14m45s
